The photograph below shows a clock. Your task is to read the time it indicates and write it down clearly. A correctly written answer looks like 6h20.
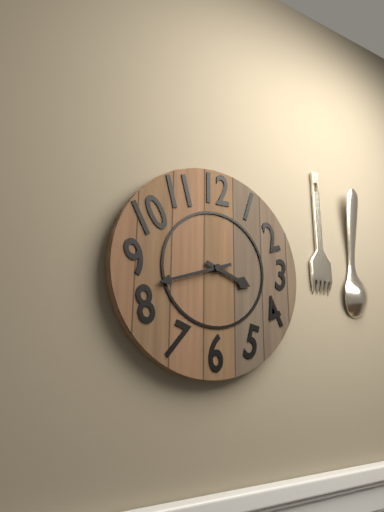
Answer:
3h42
